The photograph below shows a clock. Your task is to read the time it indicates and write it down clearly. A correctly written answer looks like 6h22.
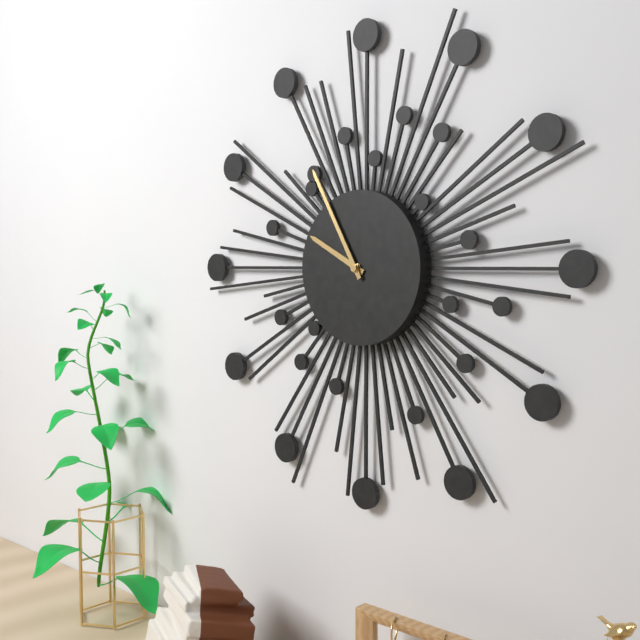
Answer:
9h55
